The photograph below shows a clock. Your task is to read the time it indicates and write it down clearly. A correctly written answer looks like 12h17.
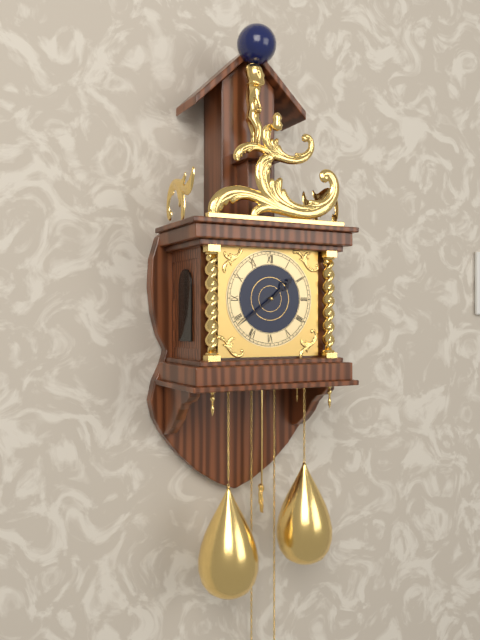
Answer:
1h39
